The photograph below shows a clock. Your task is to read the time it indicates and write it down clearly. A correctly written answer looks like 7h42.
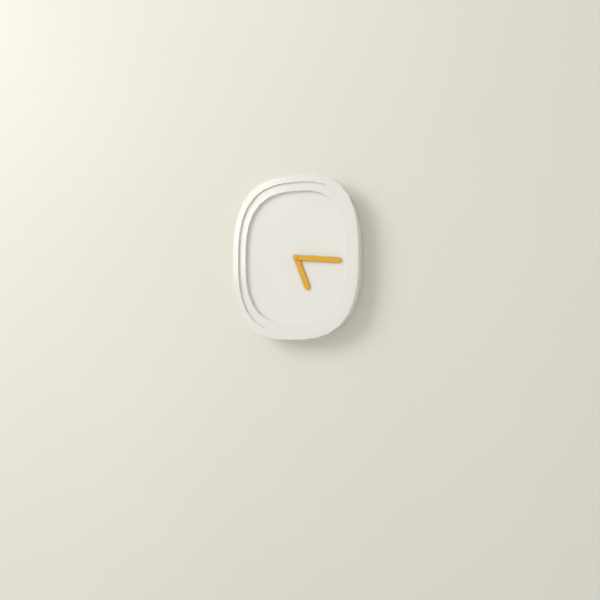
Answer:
5h16
